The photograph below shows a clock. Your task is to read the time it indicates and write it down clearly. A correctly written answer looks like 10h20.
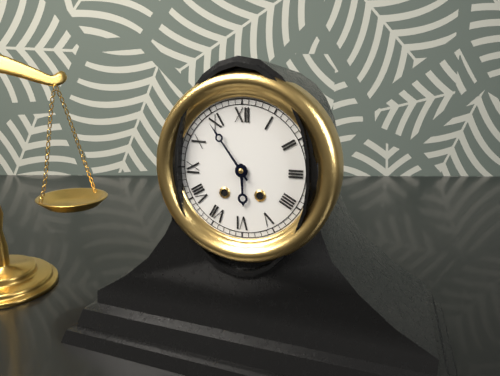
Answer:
5h54
